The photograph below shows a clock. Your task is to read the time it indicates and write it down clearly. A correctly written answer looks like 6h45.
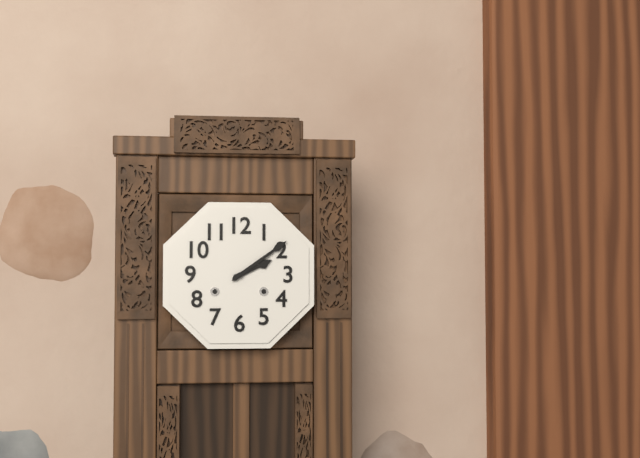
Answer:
2h09
